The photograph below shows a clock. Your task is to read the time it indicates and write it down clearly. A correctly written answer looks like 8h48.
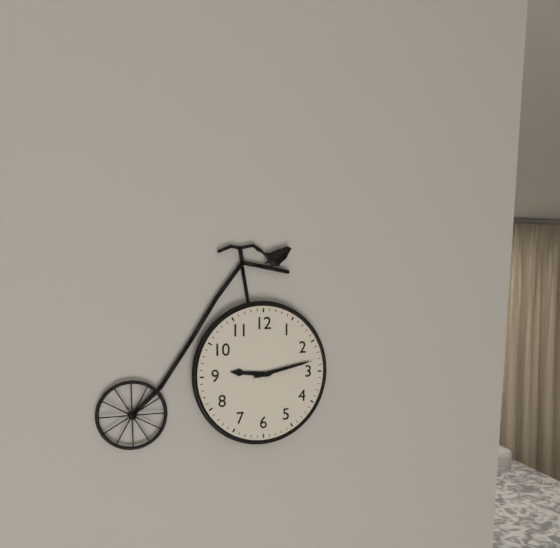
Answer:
9h13
